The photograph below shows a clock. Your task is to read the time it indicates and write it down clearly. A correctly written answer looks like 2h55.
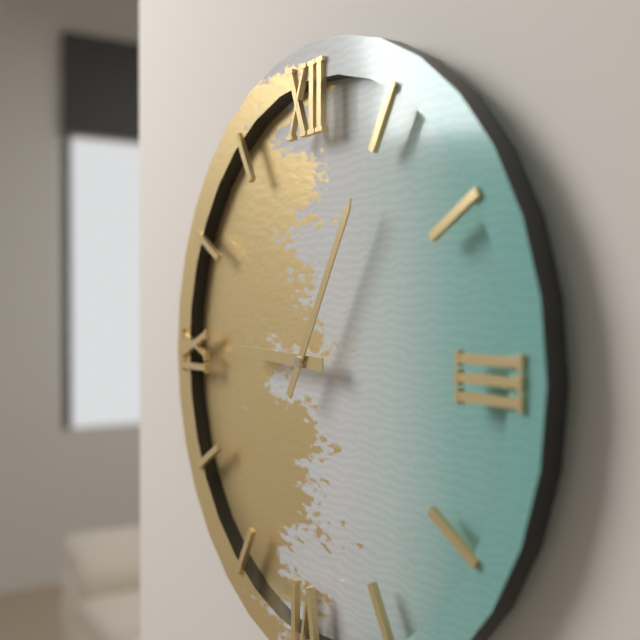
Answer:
9h05
